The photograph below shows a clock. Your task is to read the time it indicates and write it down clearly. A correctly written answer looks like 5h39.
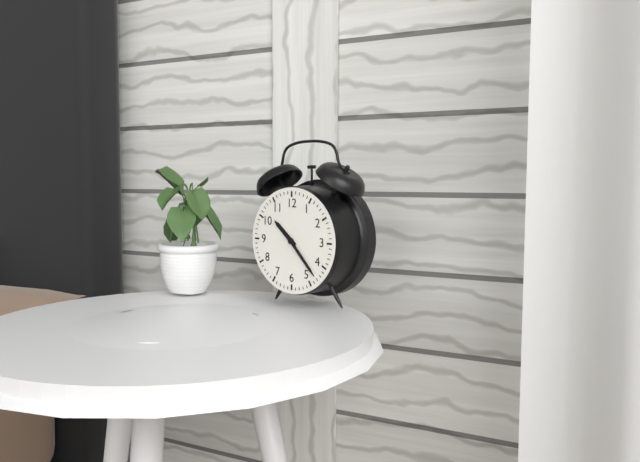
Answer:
10h23
